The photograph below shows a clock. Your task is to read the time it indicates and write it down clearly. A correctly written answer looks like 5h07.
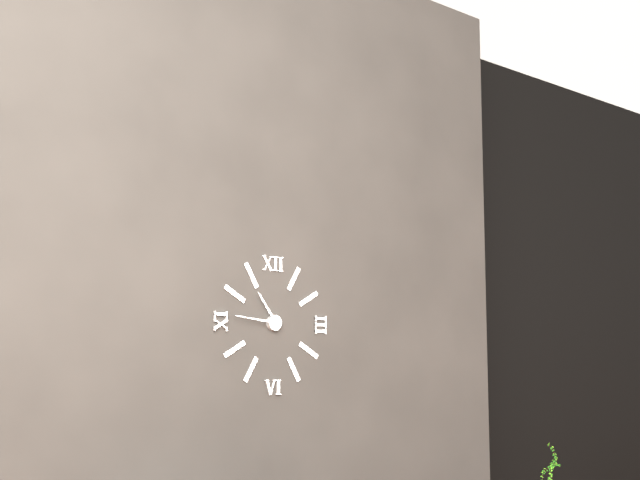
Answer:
10h46
